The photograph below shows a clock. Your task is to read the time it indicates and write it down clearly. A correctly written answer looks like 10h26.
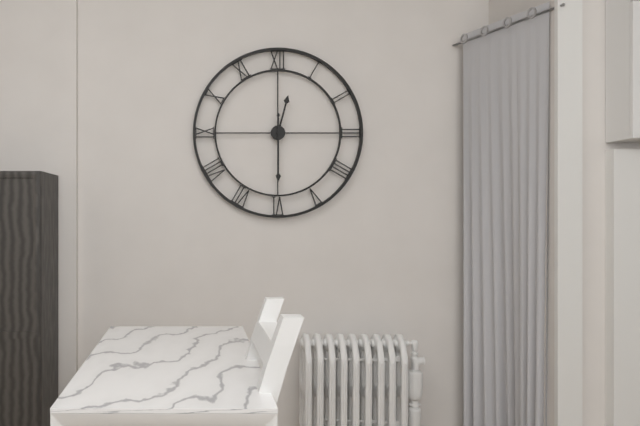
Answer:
12h30
